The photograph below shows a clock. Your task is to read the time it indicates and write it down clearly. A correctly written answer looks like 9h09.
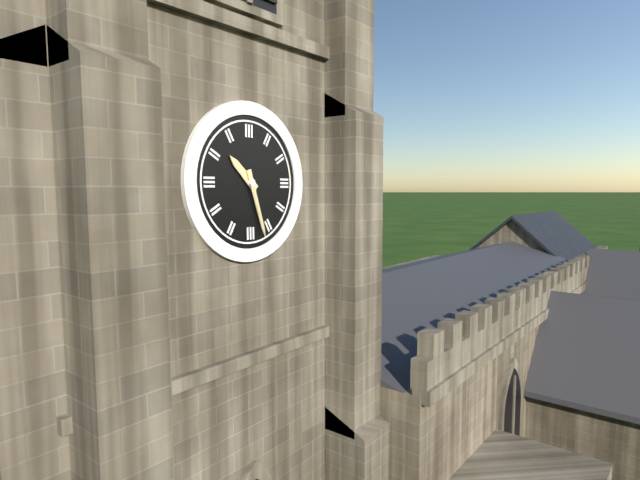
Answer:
10h27
